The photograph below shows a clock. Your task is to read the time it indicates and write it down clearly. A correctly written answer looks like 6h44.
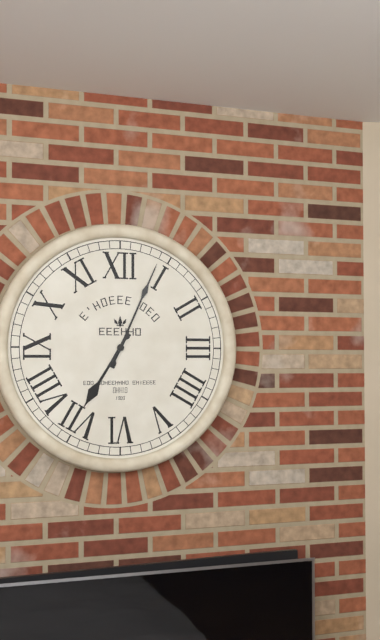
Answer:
7h04
